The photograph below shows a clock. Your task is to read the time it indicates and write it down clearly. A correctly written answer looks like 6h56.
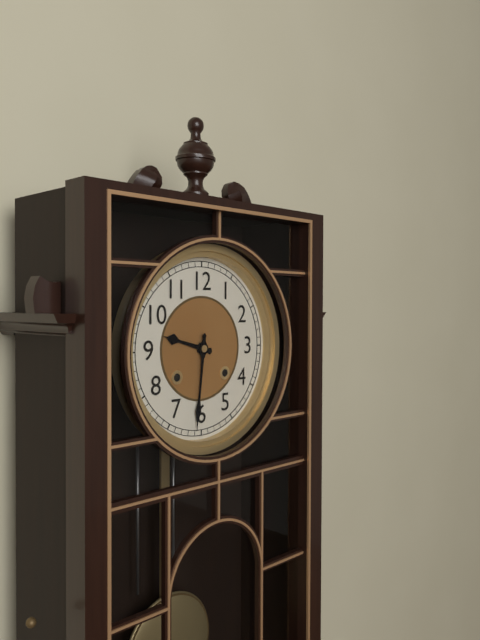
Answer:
9h31
